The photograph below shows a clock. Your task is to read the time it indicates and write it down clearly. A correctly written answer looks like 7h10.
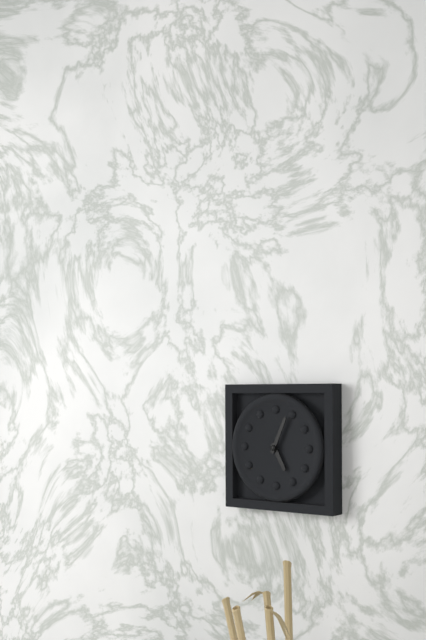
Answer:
5h04
